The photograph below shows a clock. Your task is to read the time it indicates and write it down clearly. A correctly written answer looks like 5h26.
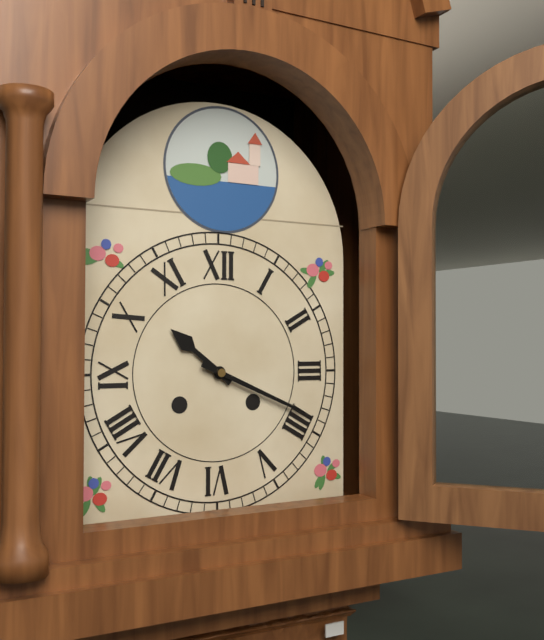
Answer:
10h19
